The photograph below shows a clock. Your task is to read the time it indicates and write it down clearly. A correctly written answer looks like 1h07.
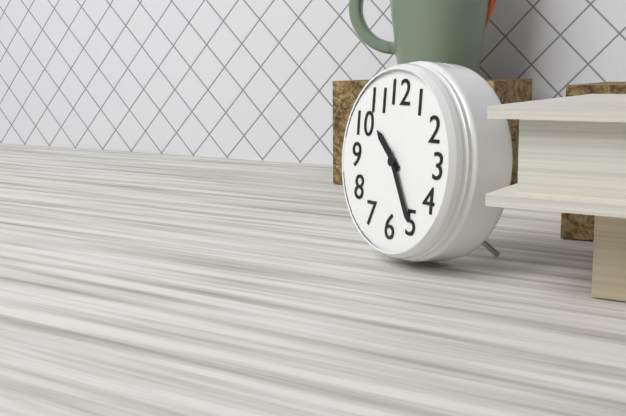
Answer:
10h25
